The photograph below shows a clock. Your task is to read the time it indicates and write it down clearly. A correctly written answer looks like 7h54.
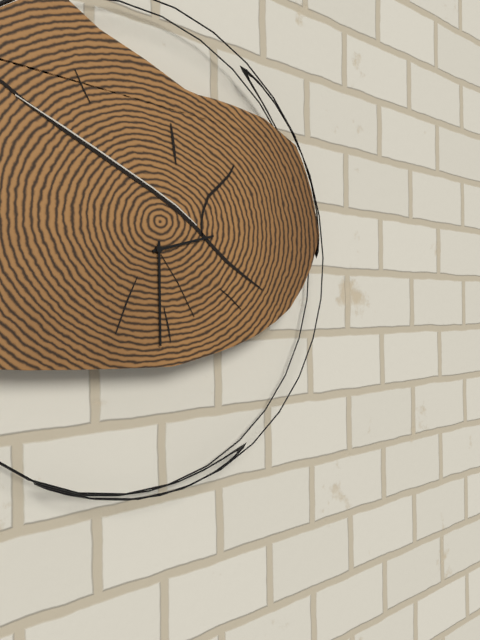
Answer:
2h30
